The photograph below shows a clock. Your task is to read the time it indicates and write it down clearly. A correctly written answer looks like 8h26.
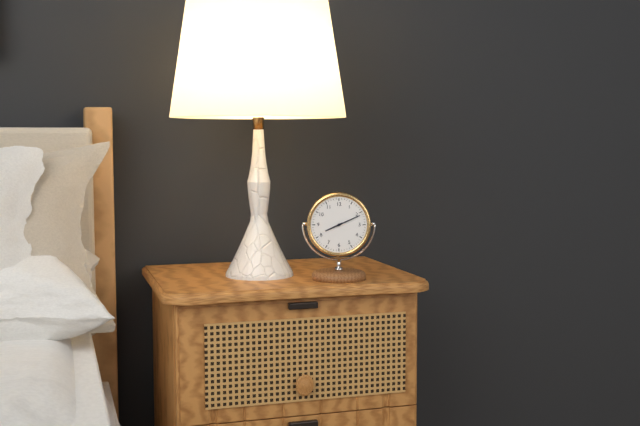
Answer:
8h11
